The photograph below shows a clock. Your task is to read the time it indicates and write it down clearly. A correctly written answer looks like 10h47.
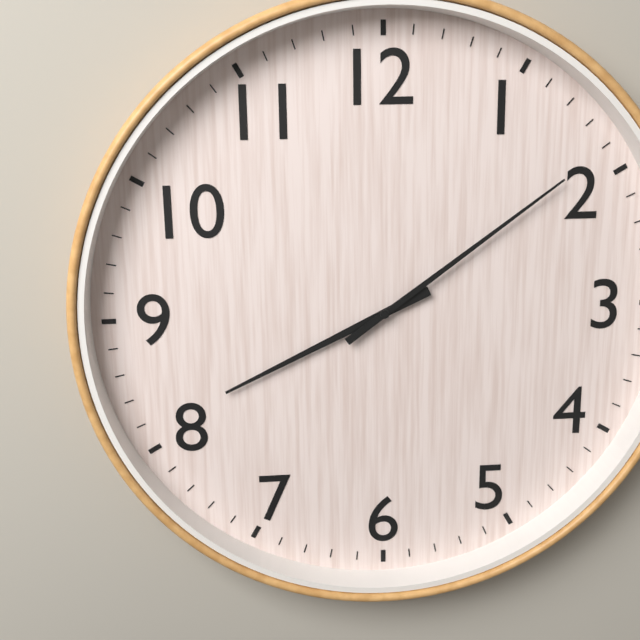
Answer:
8h09
